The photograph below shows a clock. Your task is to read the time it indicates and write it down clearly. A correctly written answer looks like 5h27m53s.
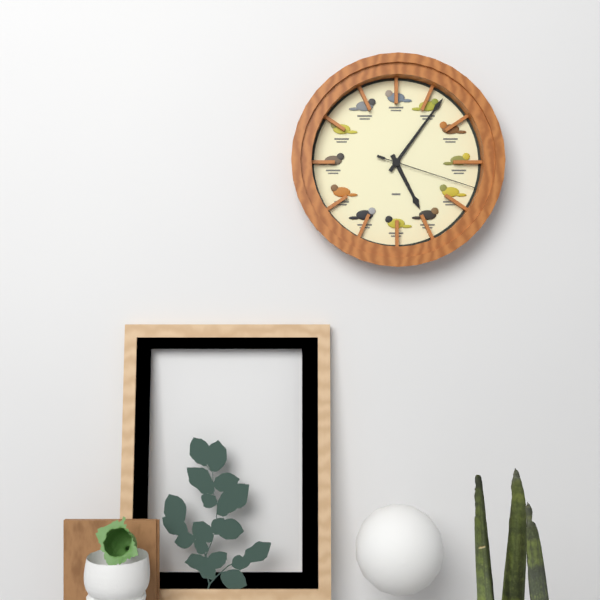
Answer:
5h06m18s
